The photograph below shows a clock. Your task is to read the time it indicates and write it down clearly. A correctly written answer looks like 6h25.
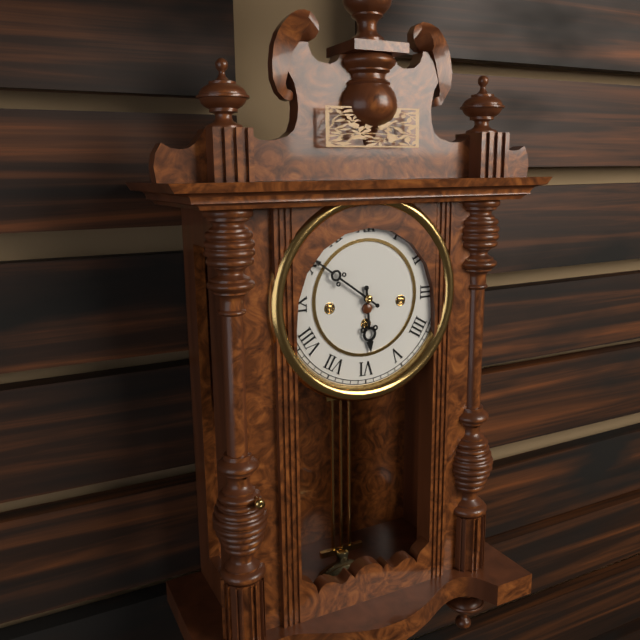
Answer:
5h51
